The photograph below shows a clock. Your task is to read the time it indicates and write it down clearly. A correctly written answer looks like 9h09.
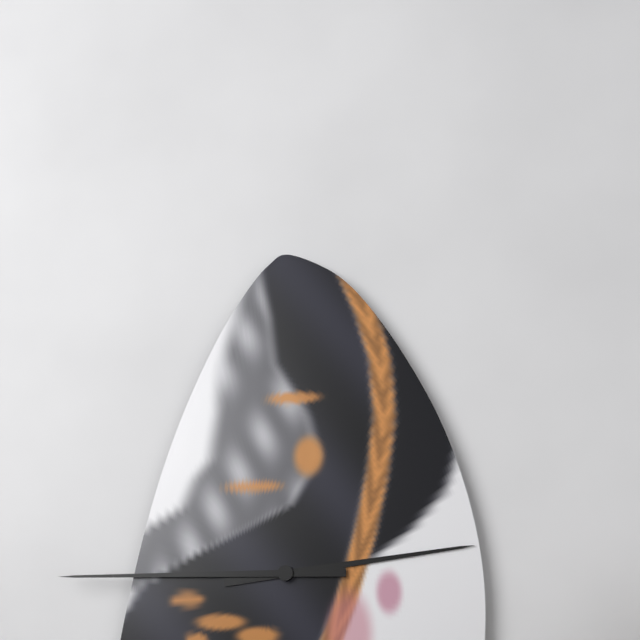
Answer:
2h45
